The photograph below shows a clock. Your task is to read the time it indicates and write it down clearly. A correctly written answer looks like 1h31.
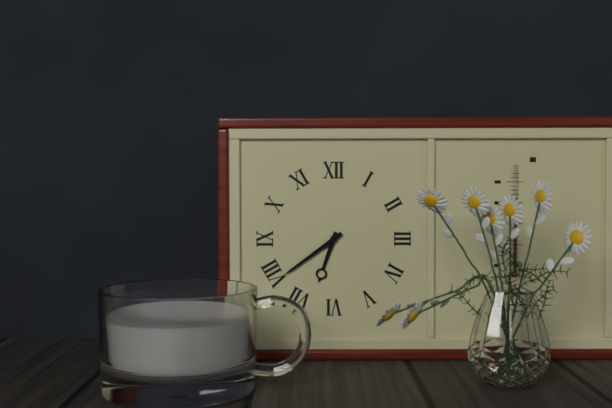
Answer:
6h39
